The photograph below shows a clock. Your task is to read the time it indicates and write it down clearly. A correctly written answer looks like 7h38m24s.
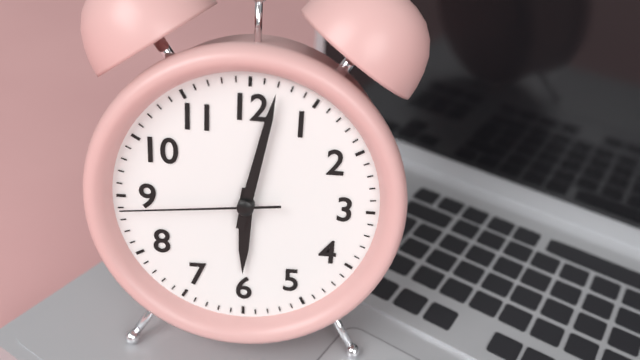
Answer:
6h02m44s
